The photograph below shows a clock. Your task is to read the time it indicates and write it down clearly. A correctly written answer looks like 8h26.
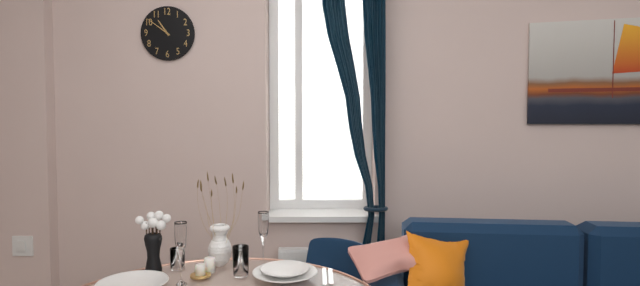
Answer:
10h51
